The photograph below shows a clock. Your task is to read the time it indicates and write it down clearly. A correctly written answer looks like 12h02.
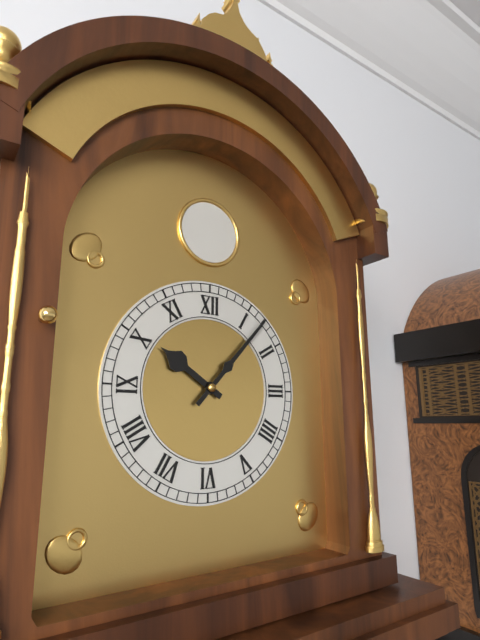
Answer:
10h07
